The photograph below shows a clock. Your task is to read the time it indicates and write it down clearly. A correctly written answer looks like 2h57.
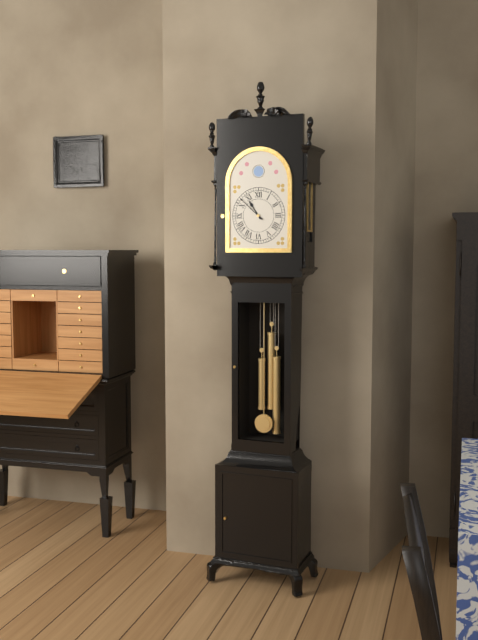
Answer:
10h52
